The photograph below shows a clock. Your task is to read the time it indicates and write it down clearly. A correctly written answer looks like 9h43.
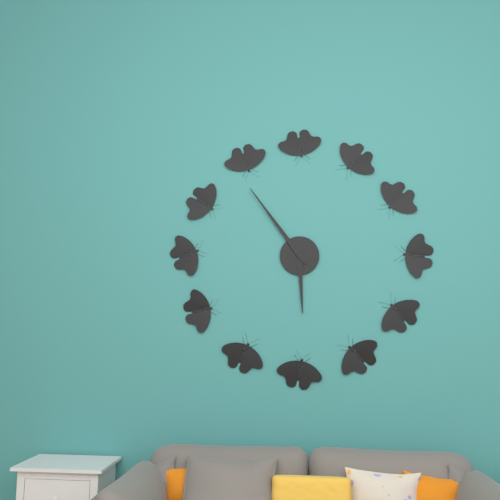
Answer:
5h54
